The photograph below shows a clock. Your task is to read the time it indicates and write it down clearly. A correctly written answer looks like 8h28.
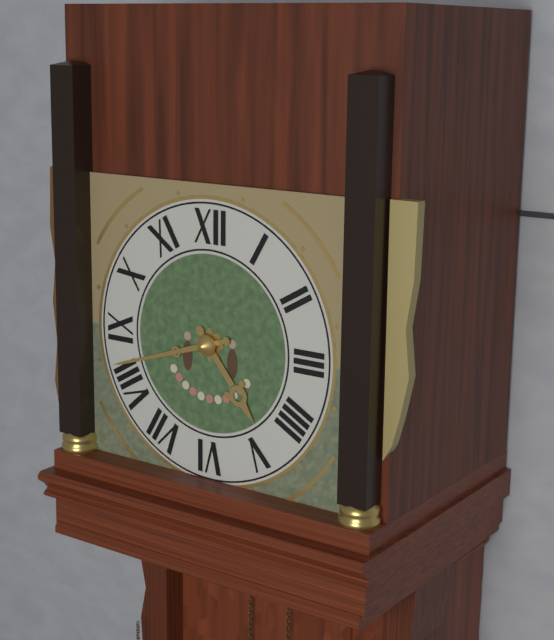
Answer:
4h42
